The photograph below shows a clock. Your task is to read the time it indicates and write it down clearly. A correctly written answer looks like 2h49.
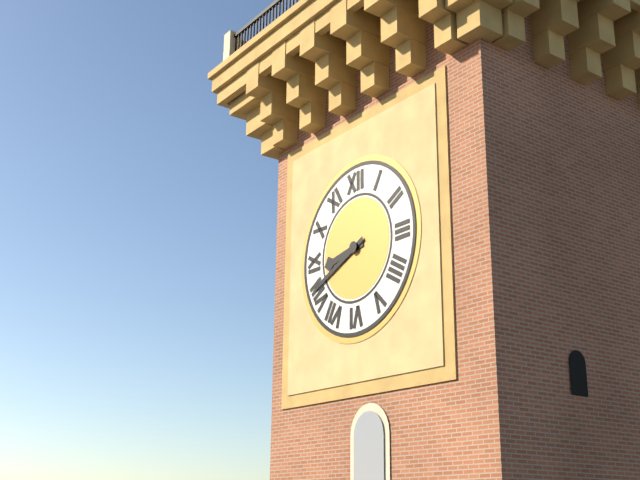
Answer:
8h41
